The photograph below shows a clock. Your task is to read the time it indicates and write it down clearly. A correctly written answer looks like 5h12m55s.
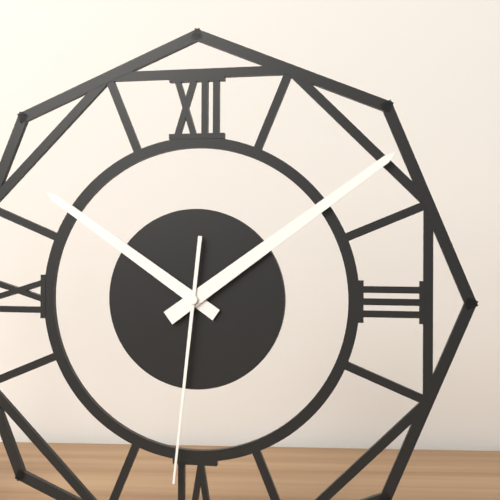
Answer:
10h09m31s
